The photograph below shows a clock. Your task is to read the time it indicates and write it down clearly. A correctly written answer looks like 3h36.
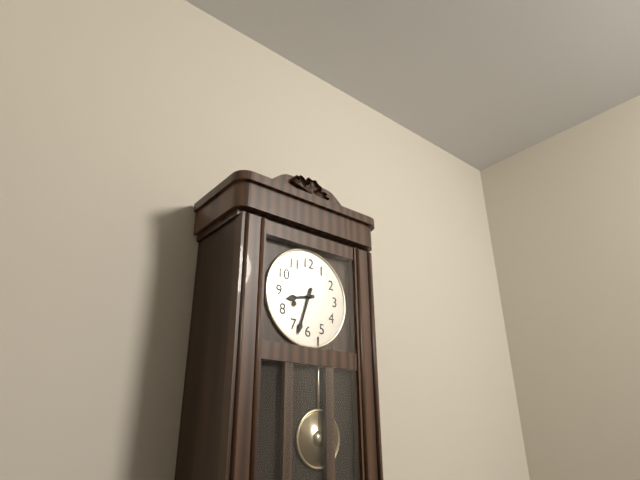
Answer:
8h33
